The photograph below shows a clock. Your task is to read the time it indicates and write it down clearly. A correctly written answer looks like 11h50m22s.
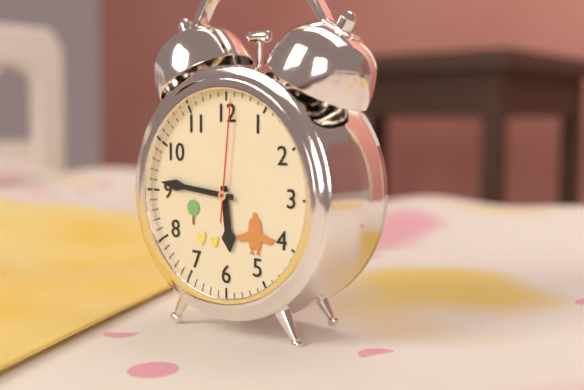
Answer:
5h46m01s
